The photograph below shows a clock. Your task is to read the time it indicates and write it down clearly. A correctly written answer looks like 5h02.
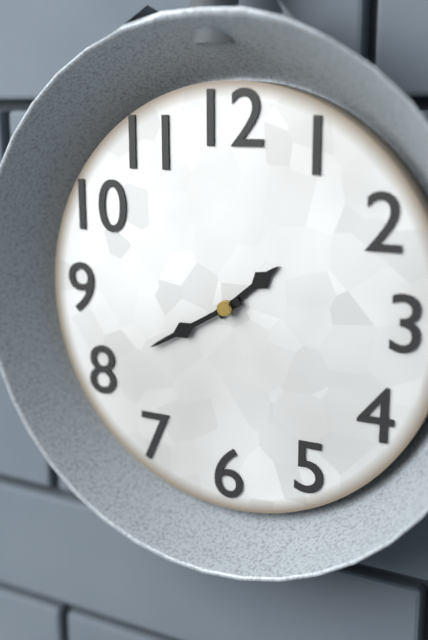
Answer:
1h40
